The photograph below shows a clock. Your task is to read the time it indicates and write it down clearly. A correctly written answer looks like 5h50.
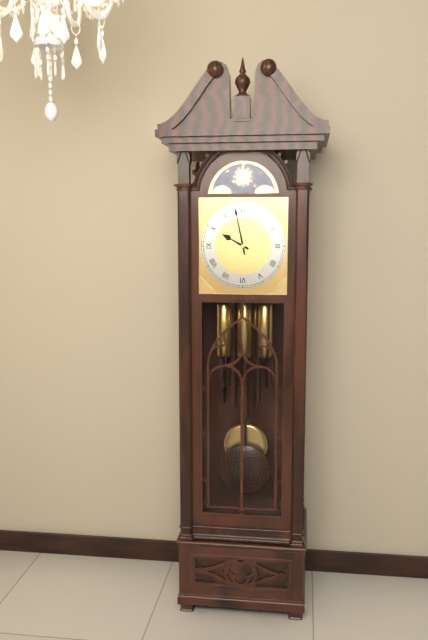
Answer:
9h58
